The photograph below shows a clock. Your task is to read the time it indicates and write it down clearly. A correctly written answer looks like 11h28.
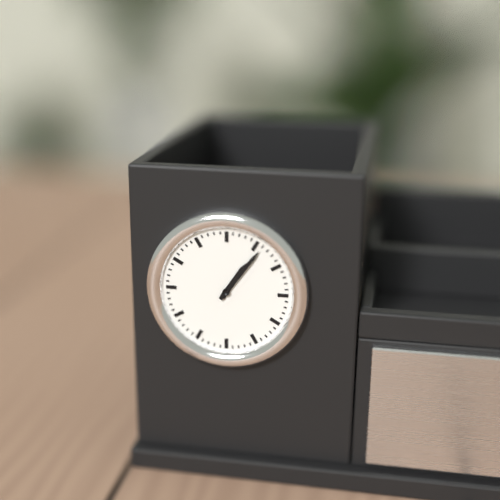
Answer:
1h06
